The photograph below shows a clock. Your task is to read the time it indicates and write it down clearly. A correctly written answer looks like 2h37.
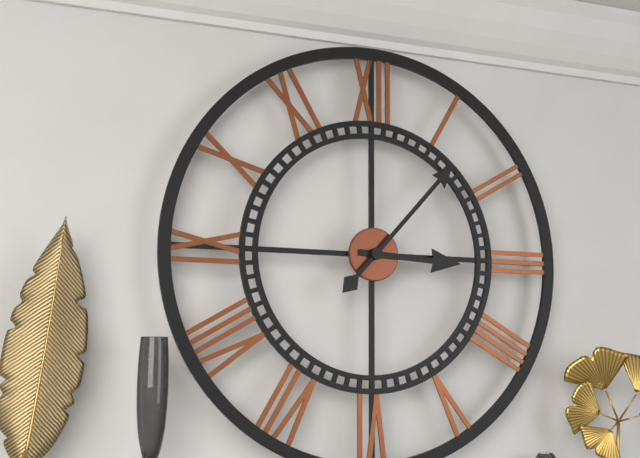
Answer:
3h07
